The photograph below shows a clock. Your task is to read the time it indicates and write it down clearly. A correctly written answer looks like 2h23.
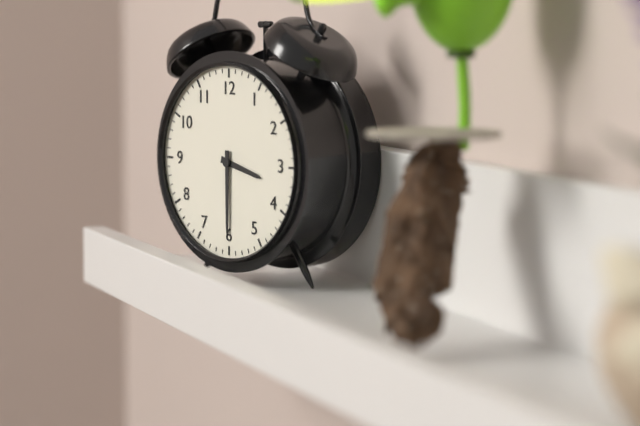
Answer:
3h30
